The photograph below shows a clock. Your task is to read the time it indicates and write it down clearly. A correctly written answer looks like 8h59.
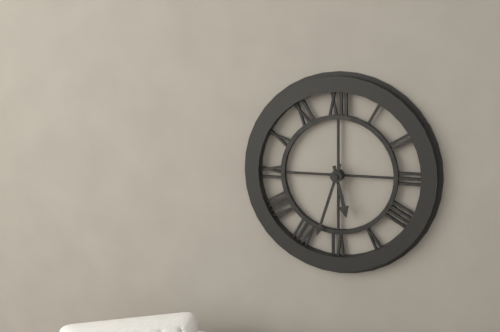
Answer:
5h33
